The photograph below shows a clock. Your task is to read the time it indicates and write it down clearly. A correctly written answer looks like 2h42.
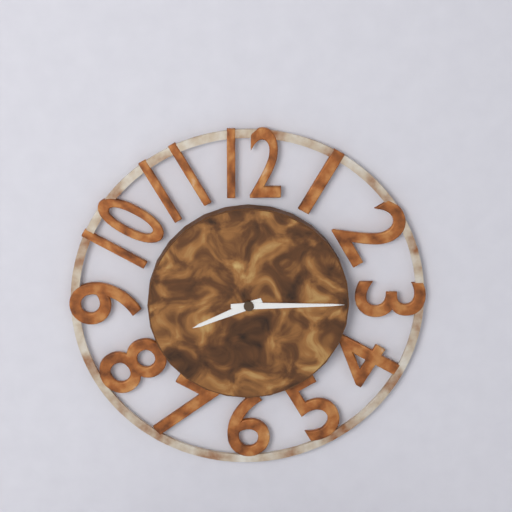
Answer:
8h15
